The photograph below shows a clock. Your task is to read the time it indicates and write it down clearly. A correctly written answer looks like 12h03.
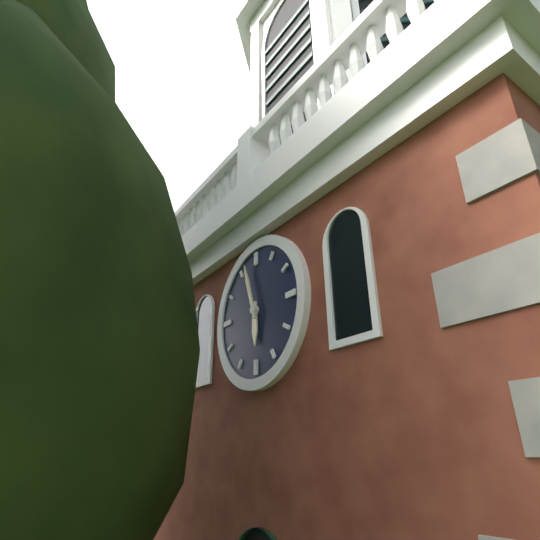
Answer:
5h57
